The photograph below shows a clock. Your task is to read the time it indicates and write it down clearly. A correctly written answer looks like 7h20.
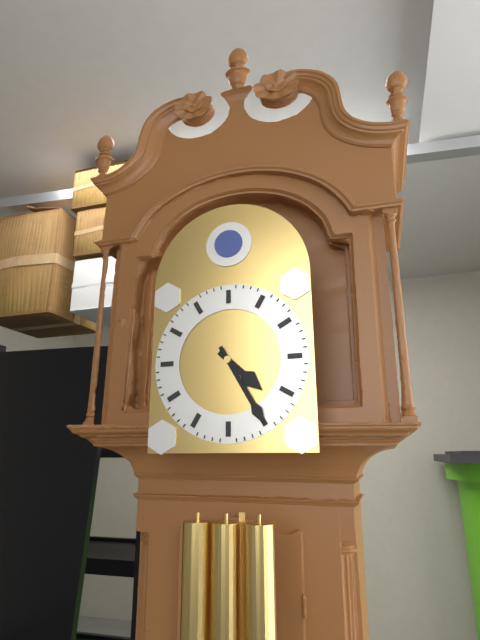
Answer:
4h25
